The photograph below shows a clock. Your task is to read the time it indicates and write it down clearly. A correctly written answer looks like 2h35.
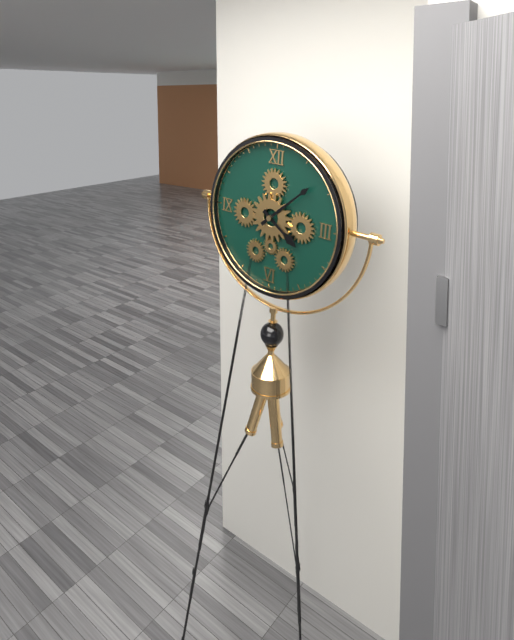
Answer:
4h08
